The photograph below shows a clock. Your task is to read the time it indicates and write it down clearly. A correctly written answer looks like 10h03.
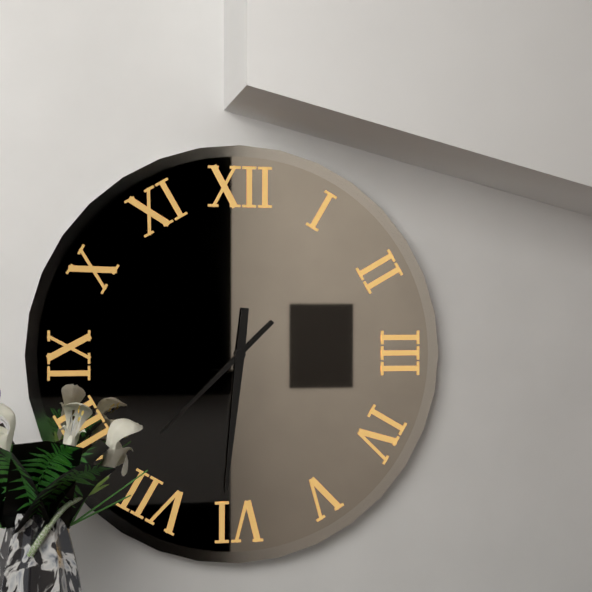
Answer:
7h31
